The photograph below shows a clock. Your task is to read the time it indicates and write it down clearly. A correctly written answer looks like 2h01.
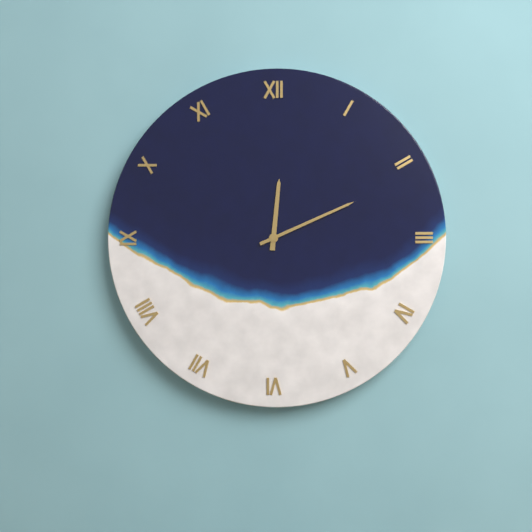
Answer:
12h11
